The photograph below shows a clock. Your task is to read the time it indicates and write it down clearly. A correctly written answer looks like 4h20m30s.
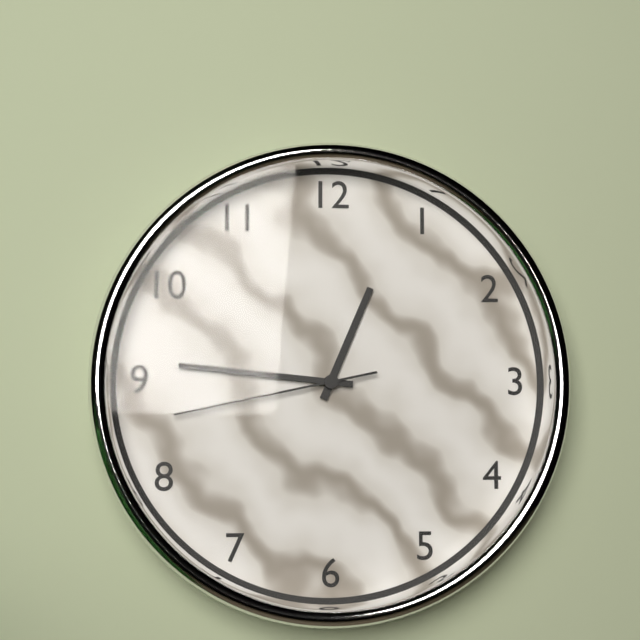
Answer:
12h46m43s
